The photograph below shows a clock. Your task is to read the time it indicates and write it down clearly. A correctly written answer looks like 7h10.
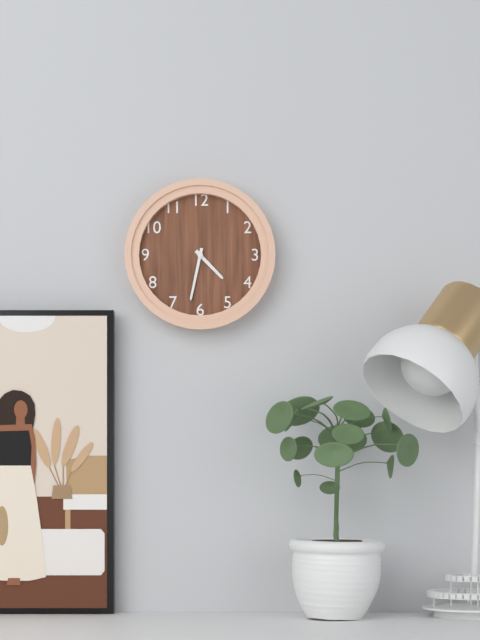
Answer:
4h32
